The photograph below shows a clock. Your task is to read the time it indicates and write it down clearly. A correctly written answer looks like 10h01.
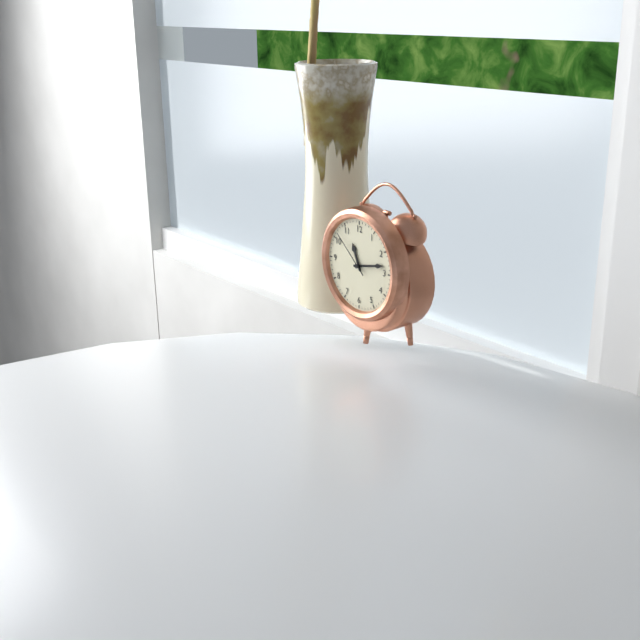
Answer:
11h13
